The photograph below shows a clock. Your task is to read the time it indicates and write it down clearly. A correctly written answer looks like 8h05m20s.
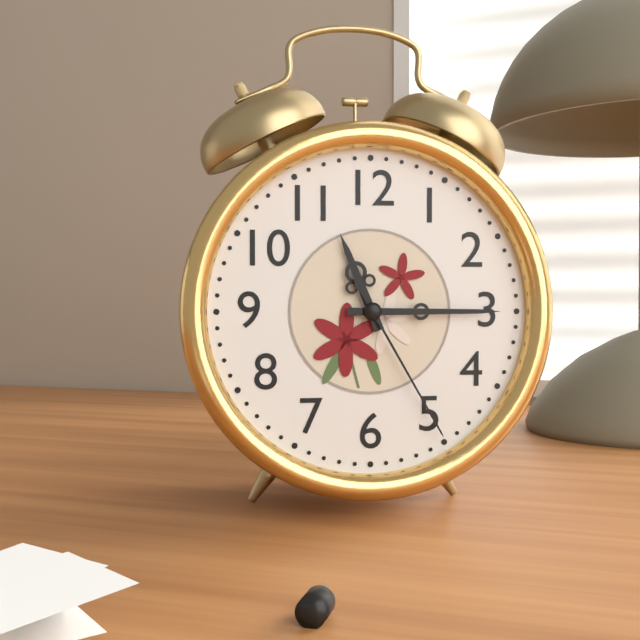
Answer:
11h15m25s
